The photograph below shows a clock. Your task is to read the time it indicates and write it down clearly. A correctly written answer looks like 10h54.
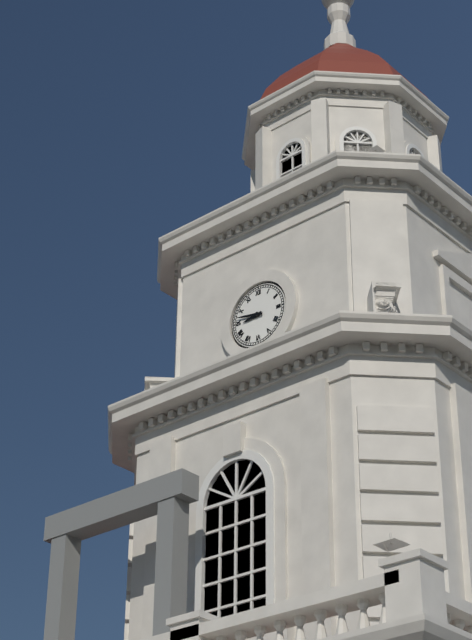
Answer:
8h47
